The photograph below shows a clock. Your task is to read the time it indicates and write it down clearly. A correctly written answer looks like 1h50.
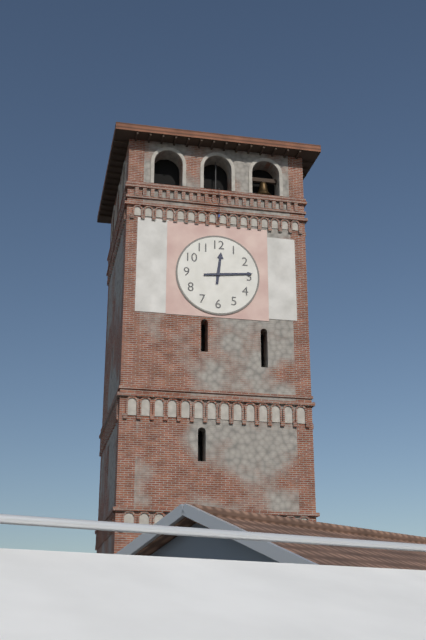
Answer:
12h14
